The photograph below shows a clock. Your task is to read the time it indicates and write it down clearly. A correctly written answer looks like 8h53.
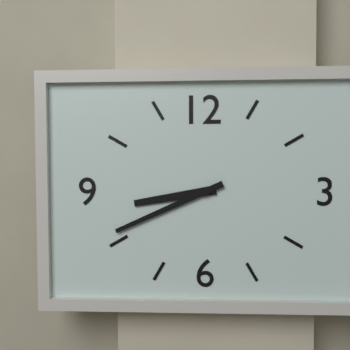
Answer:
8h41
